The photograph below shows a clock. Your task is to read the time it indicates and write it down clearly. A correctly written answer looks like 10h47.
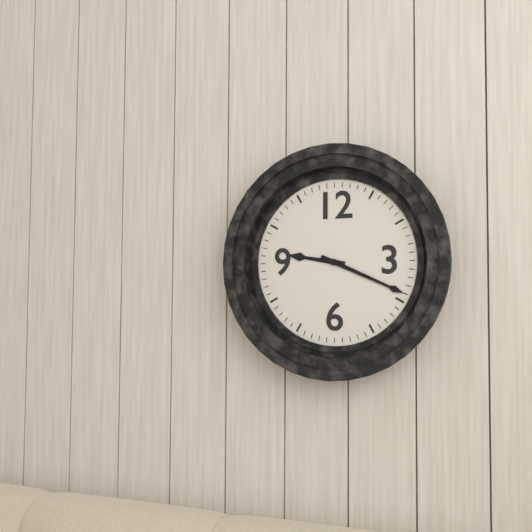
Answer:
9h19
